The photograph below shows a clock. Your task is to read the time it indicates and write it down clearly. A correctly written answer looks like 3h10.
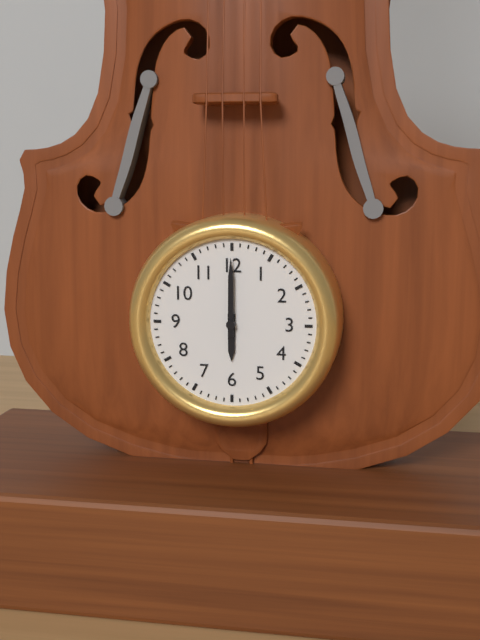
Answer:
6h00
